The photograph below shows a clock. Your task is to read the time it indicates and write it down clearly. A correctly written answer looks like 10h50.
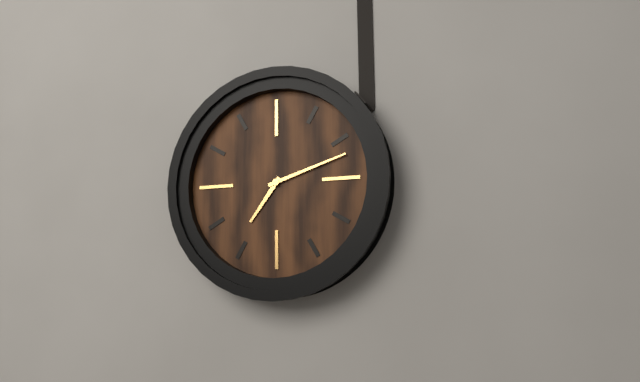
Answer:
7h12
